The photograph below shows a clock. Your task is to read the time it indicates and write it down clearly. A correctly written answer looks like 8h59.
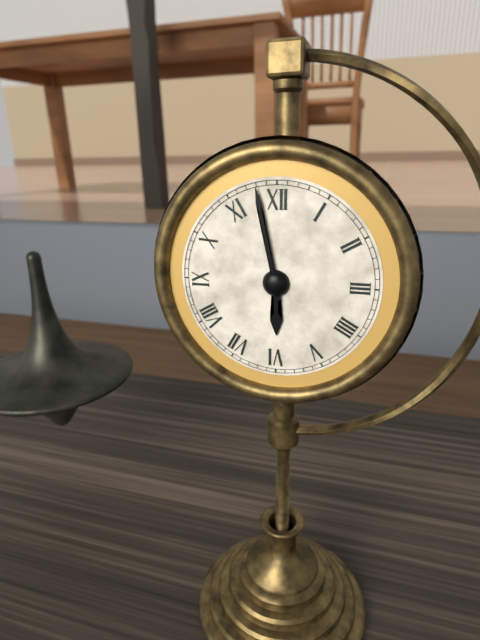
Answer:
5h58
